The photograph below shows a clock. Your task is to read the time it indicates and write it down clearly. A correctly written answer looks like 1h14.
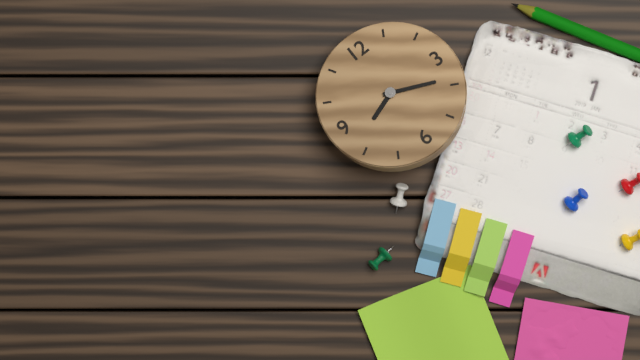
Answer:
8h19
